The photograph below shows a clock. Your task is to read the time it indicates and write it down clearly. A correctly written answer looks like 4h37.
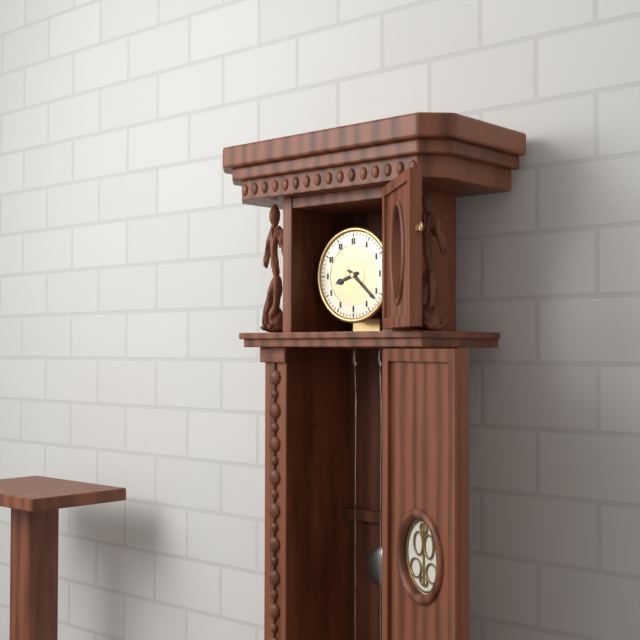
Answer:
8h22
